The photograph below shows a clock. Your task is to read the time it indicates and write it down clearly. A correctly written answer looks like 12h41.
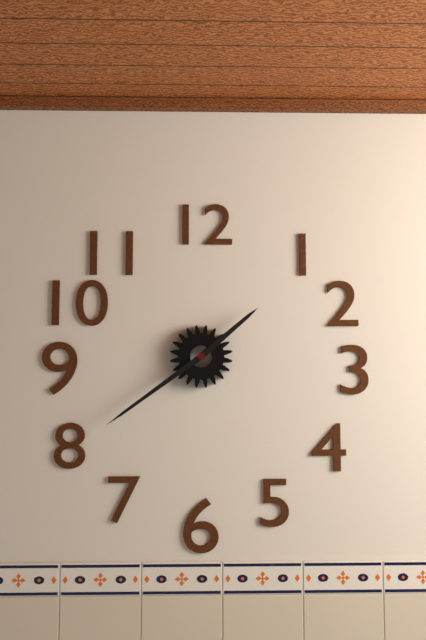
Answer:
1h39
